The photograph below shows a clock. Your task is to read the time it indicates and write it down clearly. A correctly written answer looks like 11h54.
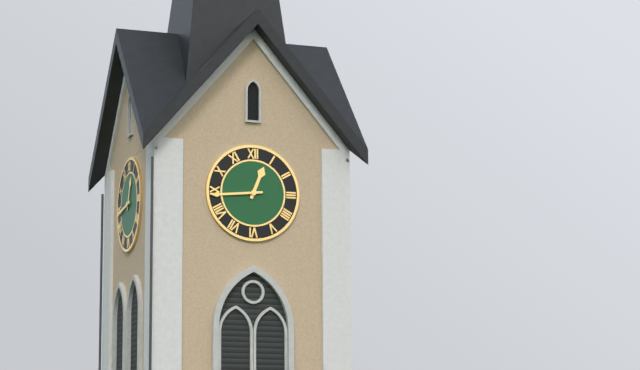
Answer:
12h44
